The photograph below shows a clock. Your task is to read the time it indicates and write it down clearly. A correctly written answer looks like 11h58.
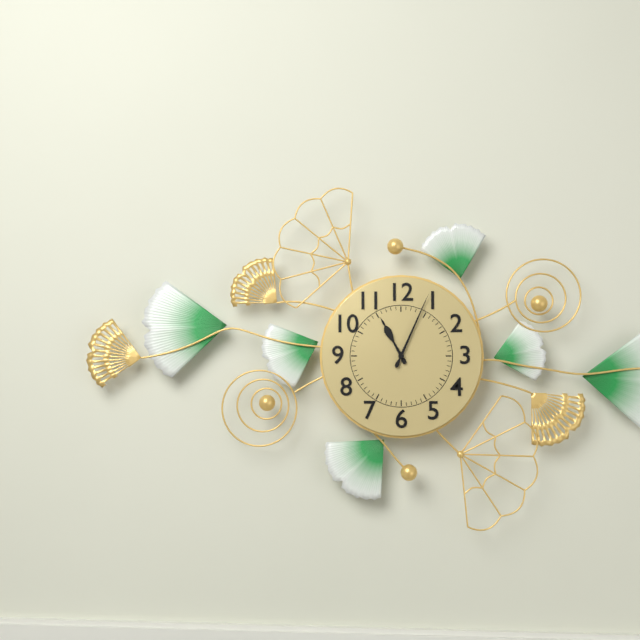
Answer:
11h04
